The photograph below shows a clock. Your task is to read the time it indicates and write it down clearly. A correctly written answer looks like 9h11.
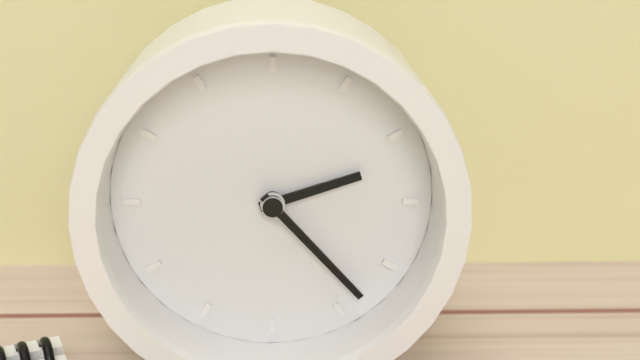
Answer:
2h23
